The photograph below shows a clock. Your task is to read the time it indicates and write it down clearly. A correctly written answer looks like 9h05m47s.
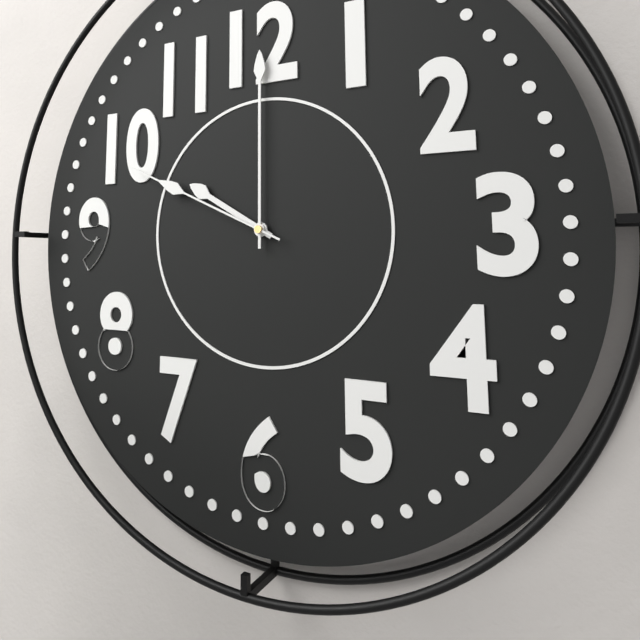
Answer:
10h00m49s
